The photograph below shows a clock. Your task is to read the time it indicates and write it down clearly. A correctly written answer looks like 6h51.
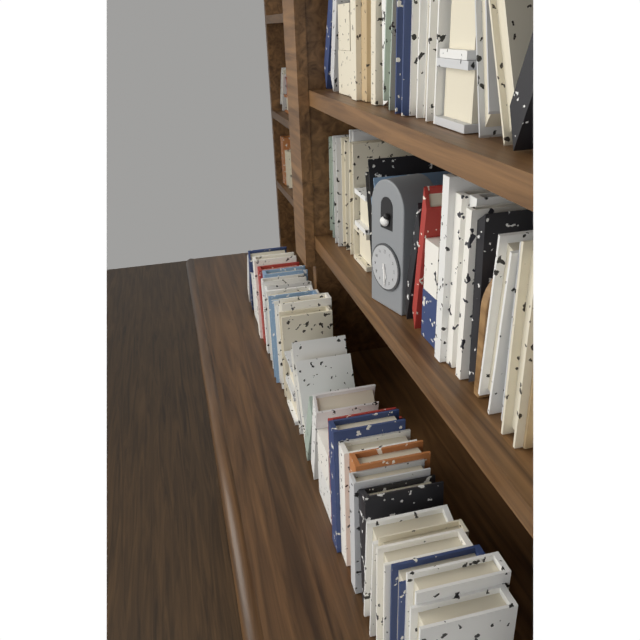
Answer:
5h29
